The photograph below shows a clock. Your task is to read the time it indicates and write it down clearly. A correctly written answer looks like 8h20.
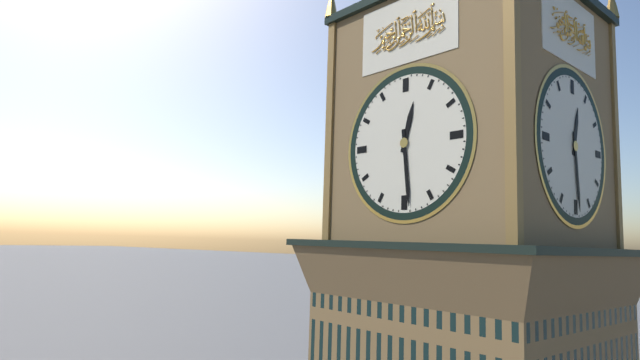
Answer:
12h29
